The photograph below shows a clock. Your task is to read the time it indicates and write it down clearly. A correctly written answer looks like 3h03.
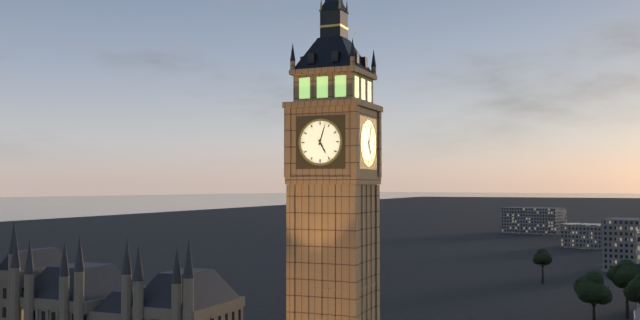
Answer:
5h03
